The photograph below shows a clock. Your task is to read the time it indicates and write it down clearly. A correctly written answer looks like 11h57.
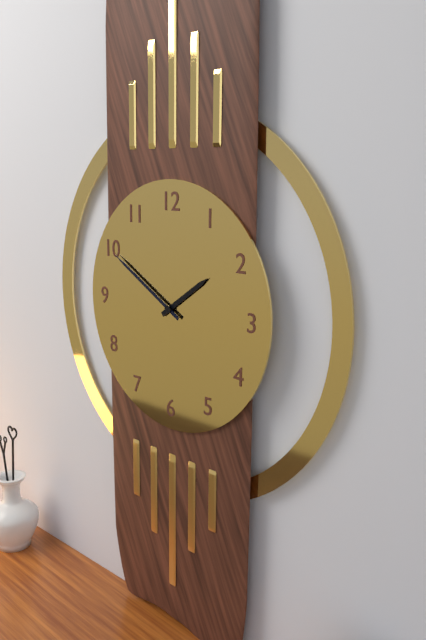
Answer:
1h50
